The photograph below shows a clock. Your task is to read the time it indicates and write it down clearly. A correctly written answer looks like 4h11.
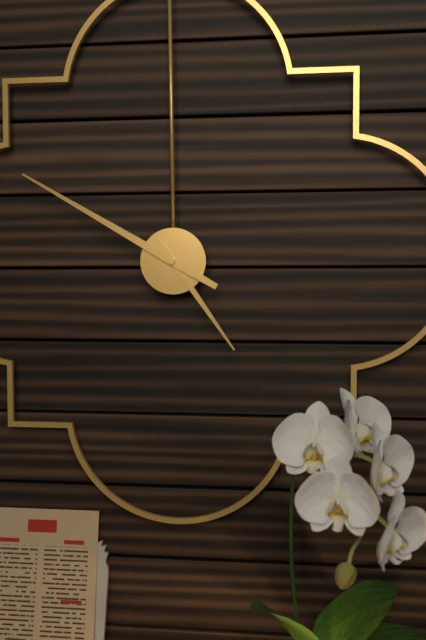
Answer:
4h50
